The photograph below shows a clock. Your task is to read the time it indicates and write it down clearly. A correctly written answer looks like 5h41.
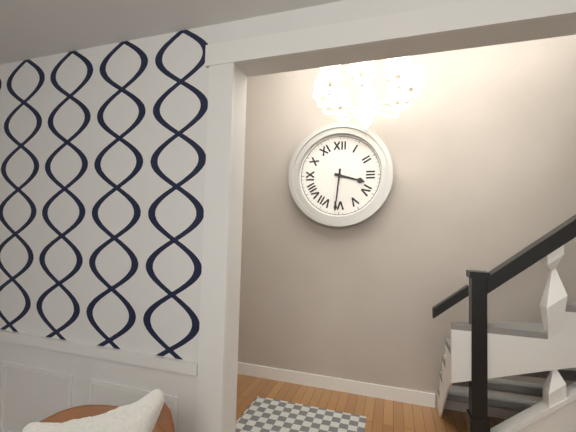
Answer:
3h31
